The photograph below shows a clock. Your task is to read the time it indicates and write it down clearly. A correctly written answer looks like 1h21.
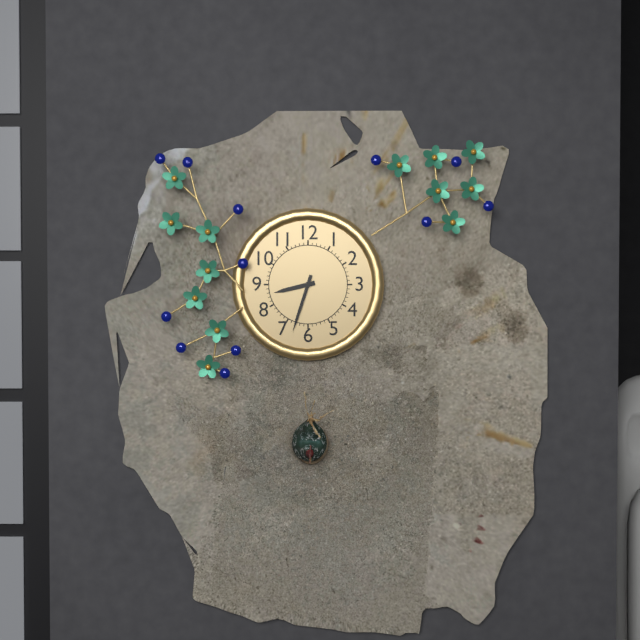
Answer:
8h33
